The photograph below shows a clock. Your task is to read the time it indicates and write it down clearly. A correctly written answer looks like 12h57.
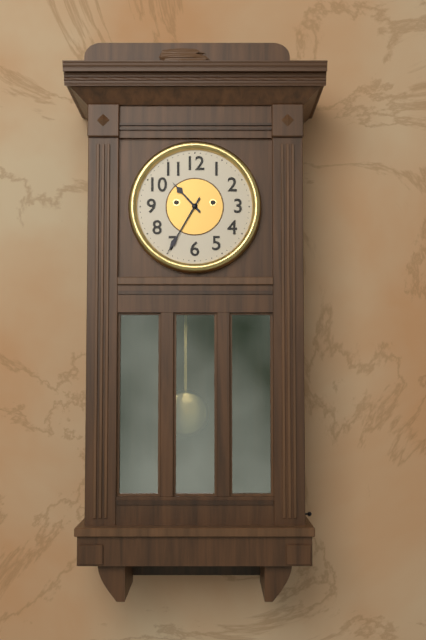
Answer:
10h35
